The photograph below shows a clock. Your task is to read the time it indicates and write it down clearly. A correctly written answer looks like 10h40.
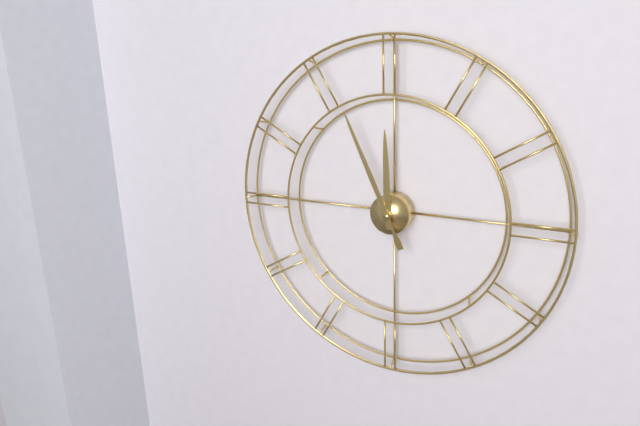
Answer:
11h56
